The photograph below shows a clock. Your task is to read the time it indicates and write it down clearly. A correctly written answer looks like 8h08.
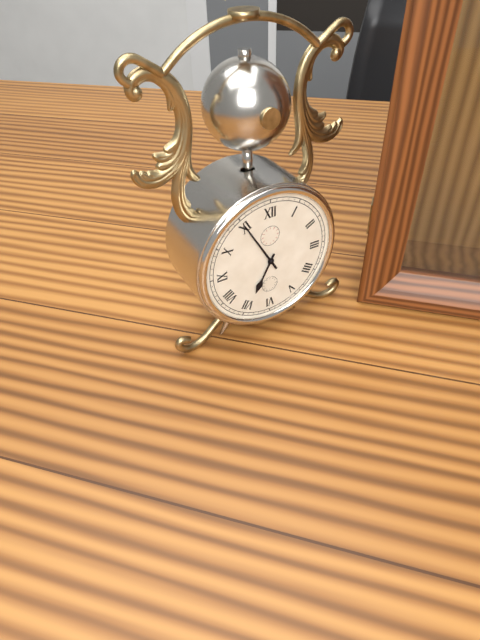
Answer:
6h55
